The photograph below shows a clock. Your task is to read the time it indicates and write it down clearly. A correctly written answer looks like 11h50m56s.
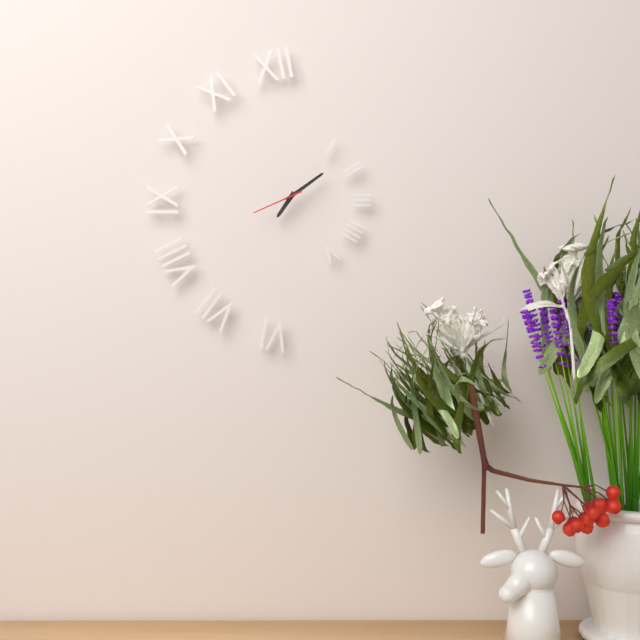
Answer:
7h09m41s
